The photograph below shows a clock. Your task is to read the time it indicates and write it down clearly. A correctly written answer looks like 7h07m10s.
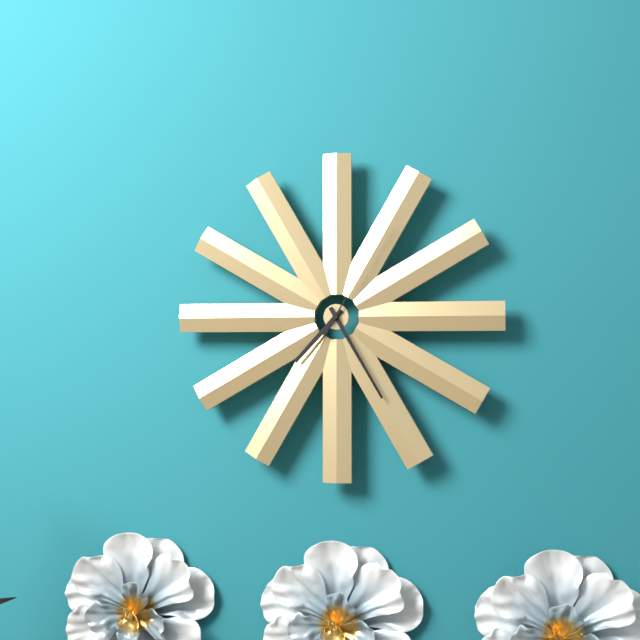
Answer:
7h25m05s
